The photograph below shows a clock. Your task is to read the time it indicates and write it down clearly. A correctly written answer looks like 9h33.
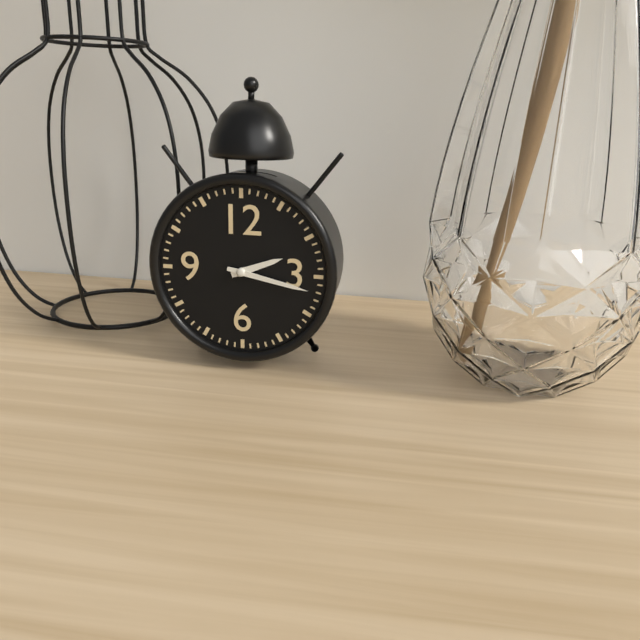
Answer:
2h17
